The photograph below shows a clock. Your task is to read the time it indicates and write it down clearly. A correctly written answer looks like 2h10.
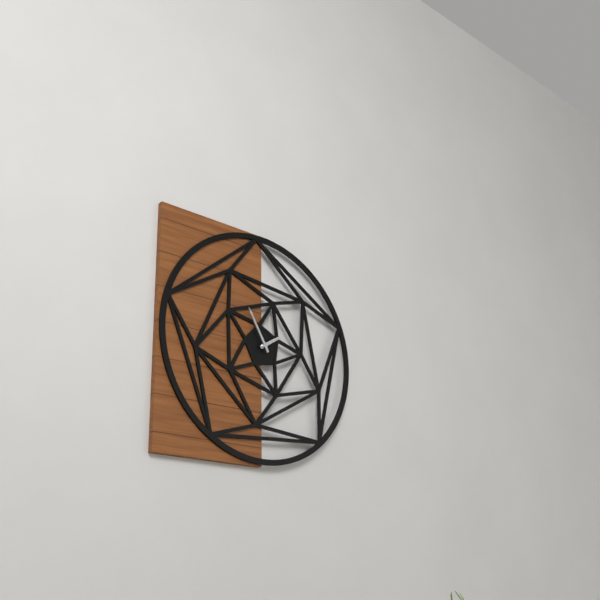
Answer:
1h55
